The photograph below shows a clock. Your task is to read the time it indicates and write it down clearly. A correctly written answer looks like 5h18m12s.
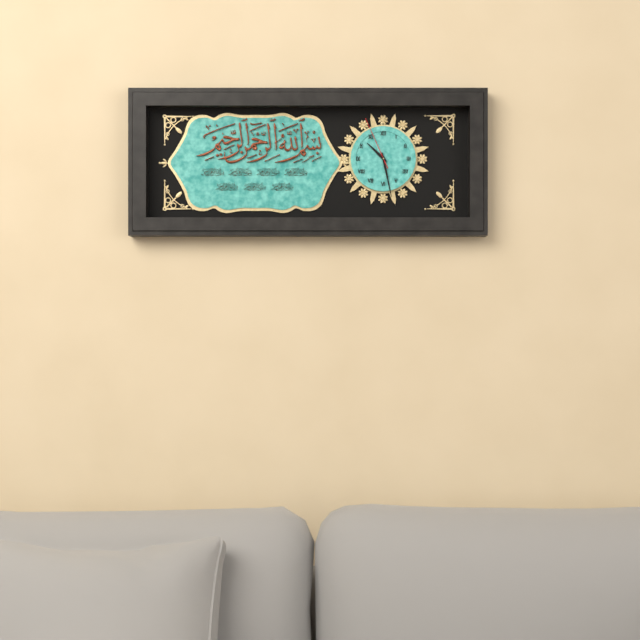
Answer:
10h28m56s
